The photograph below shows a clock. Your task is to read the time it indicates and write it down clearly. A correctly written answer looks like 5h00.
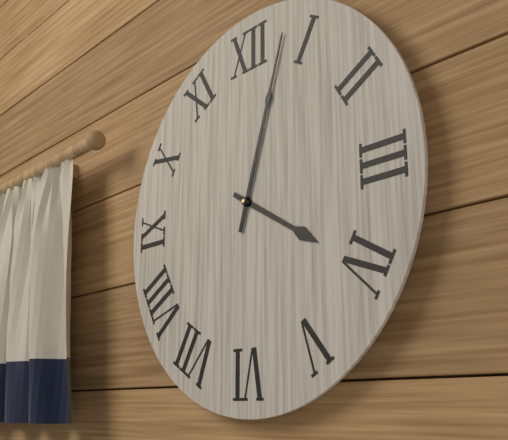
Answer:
4h03
